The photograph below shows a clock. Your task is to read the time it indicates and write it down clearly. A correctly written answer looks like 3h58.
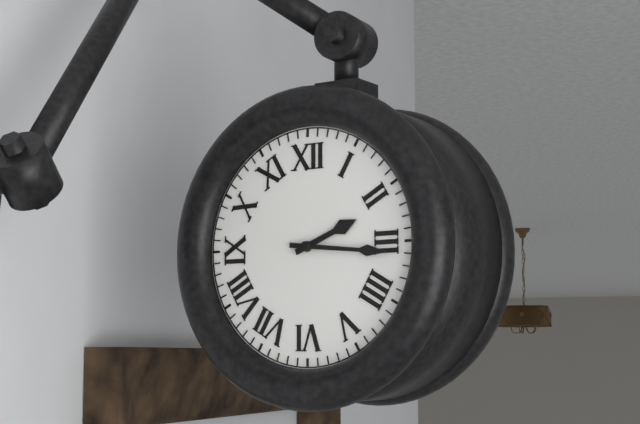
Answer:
2h16
